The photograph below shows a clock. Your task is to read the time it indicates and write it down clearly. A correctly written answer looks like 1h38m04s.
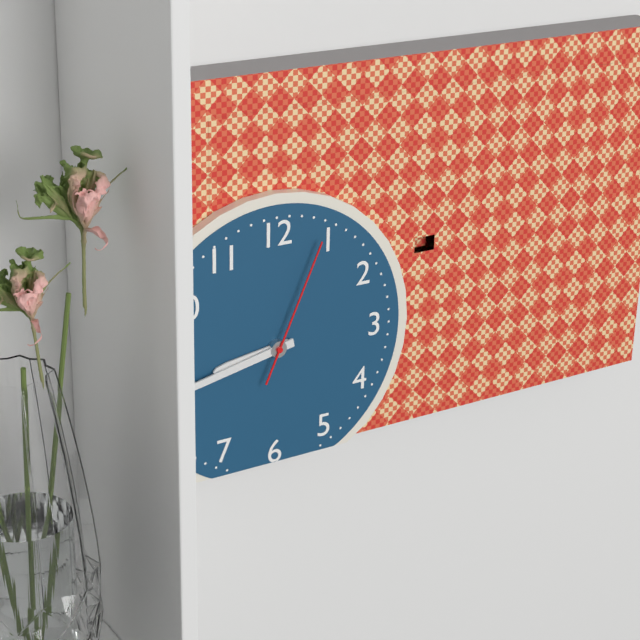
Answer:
8h43m04s
